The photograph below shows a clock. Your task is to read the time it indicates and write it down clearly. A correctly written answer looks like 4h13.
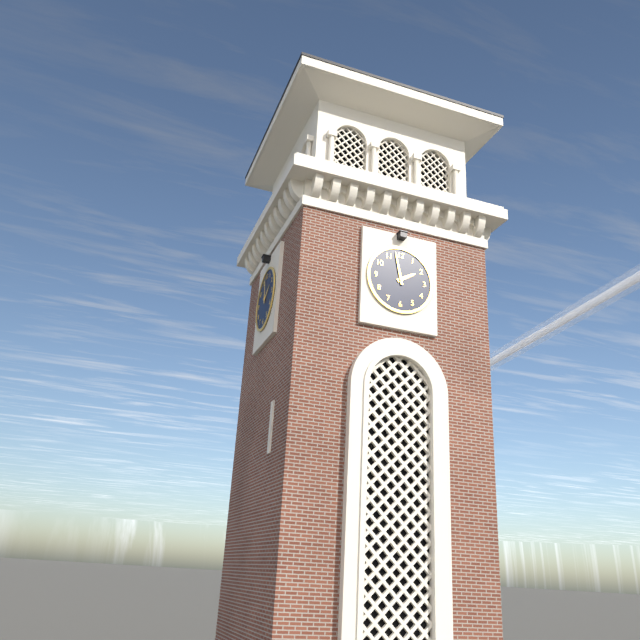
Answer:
1h58
